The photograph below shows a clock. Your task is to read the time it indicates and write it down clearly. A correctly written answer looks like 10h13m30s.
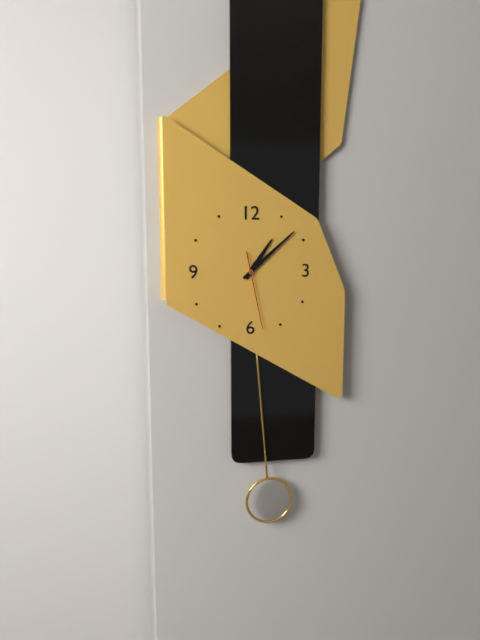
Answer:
1h08m28s
